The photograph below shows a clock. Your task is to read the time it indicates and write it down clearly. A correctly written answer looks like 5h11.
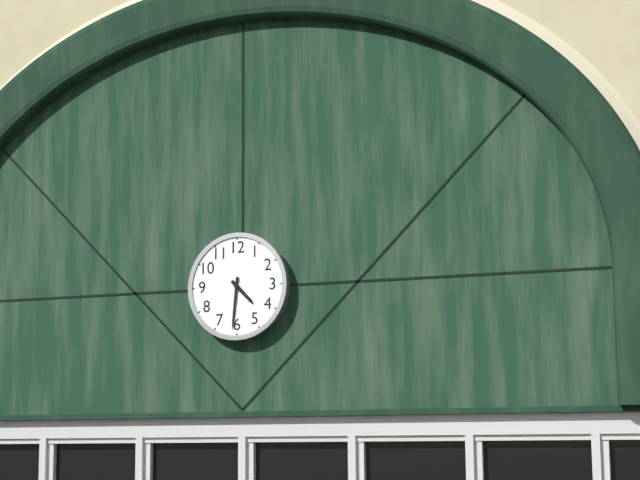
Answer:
4h31
